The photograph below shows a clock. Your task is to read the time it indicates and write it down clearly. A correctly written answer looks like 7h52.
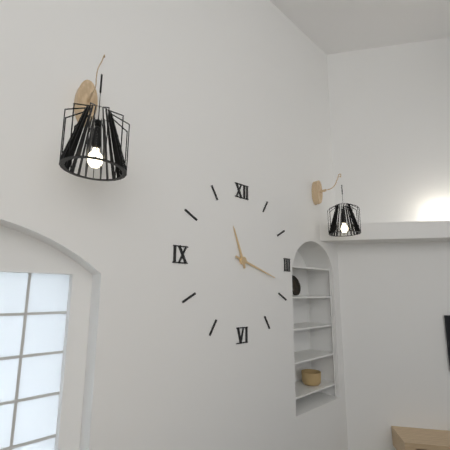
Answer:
11h18
